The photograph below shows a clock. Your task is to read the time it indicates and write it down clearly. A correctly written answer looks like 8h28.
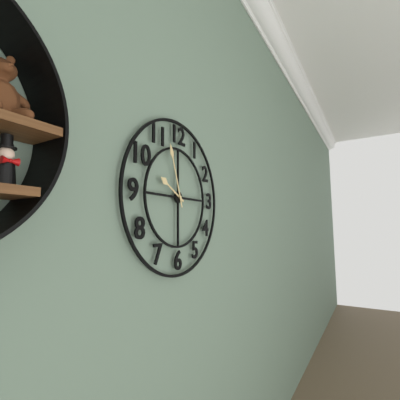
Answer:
9h57
